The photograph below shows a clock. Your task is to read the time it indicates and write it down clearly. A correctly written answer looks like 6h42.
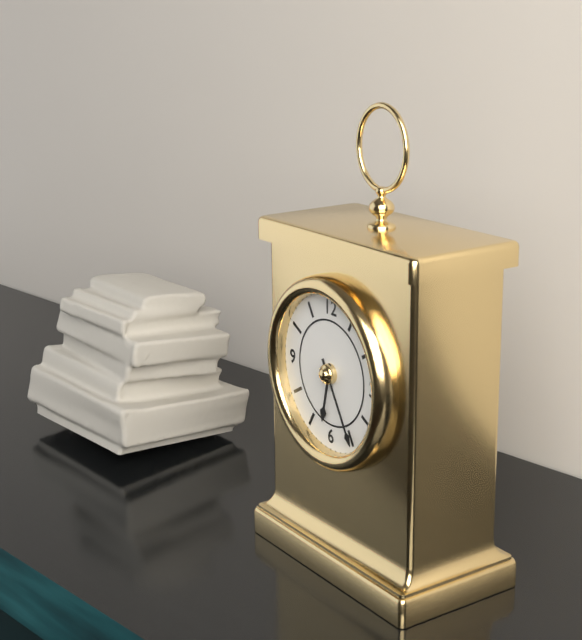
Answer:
6h25
